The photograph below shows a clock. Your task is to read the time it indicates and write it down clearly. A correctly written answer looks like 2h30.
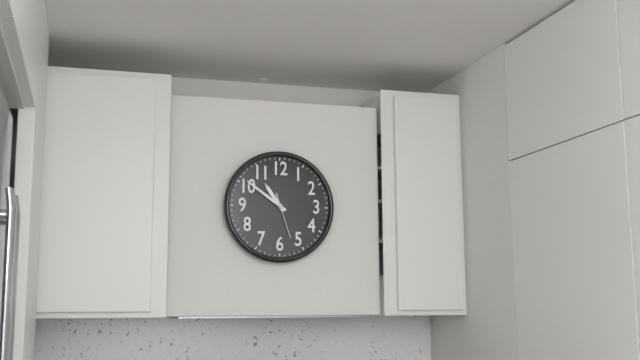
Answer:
10h51
